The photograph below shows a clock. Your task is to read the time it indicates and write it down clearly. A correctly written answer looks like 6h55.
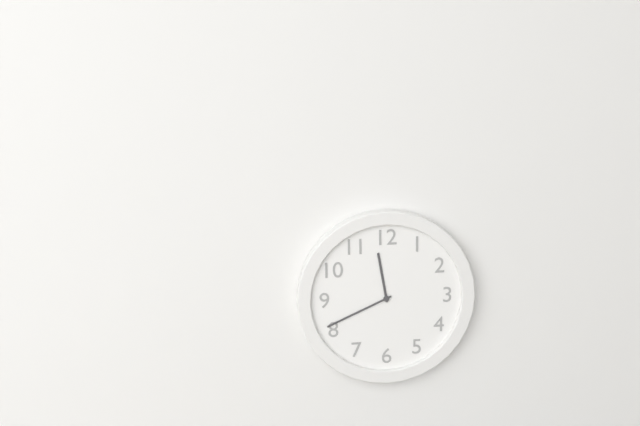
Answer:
11h41
